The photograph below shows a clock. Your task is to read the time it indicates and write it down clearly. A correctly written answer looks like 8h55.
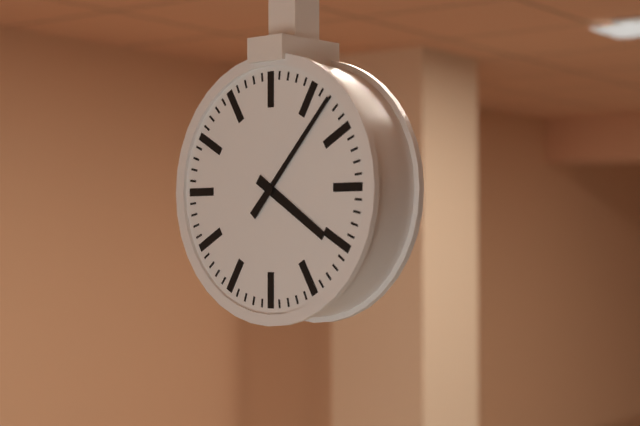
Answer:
4h07
